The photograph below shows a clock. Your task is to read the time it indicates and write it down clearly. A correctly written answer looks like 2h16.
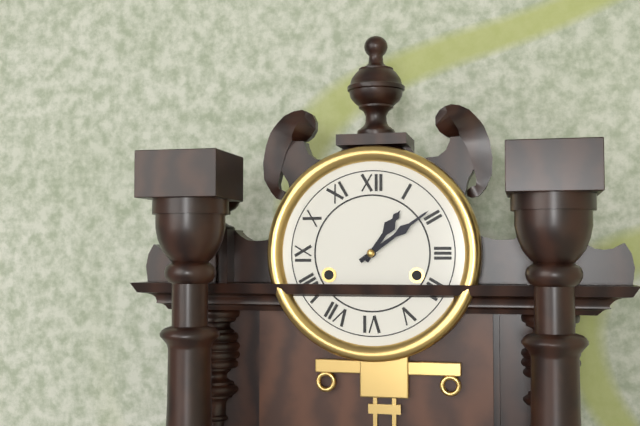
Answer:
1h09
